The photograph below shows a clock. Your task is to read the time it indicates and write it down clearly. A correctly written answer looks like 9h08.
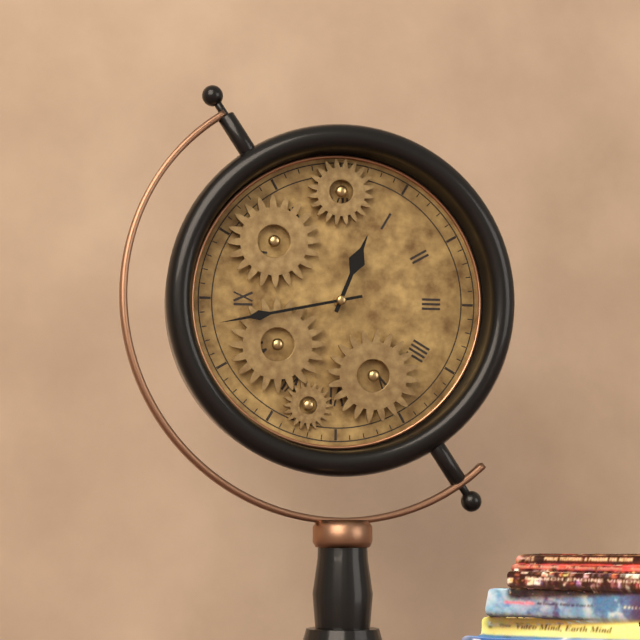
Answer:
12h43
